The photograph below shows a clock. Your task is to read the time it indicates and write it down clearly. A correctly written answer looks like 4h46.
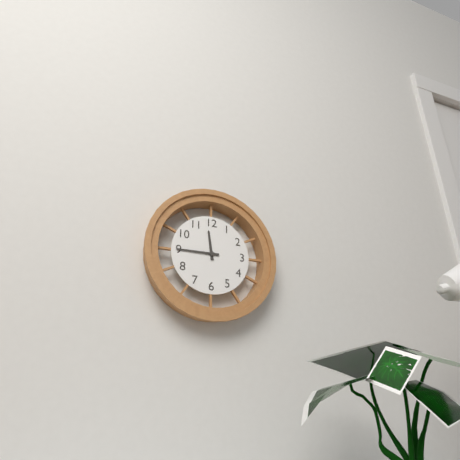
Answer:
11h45
